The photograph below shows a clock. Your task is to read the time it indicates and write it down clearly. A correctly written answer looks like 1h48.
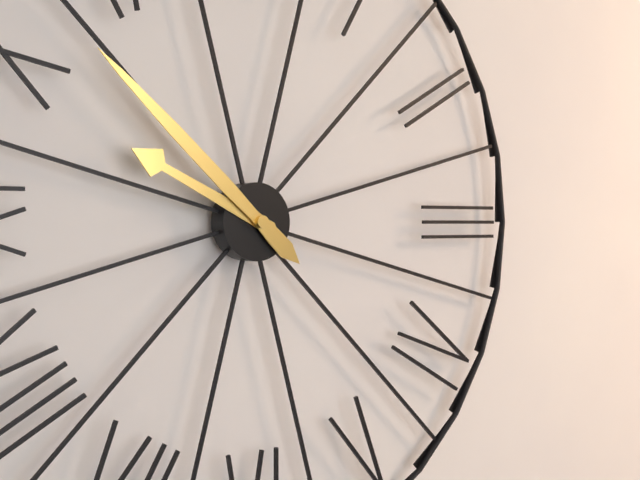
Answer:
9h52
